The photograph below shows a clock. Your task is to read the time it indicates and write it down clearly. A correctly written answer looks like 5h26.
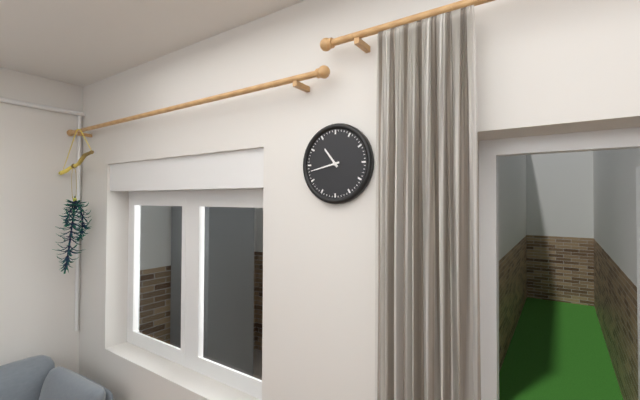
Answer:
10h43
